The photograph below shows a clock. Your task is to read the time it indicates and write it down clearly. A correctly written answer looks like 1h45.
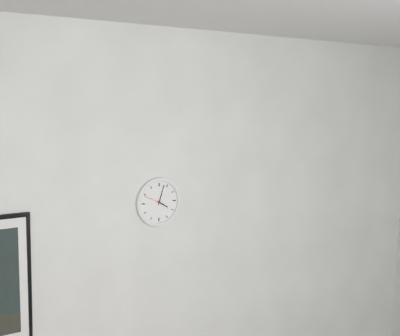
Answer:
4h03
